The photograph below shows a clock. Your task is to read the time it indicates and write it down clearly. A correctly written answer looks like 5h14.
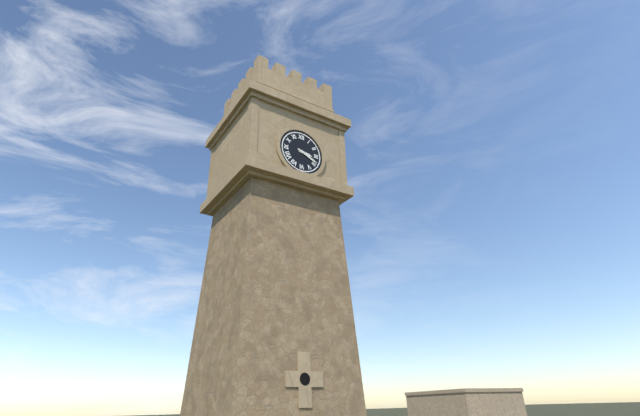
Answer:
3h19
